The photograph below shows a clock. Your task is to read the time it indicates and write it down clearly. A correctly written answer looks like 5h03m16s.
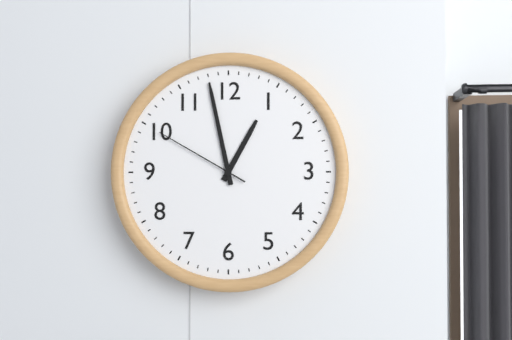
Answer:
12h58m50s
